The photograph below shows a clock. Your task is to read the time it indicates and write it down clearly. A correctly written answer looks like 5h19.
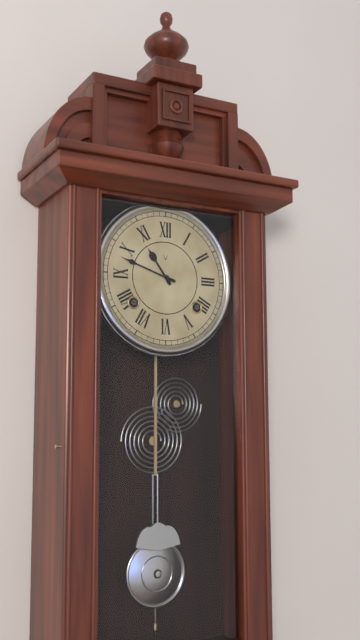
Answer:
10h48
